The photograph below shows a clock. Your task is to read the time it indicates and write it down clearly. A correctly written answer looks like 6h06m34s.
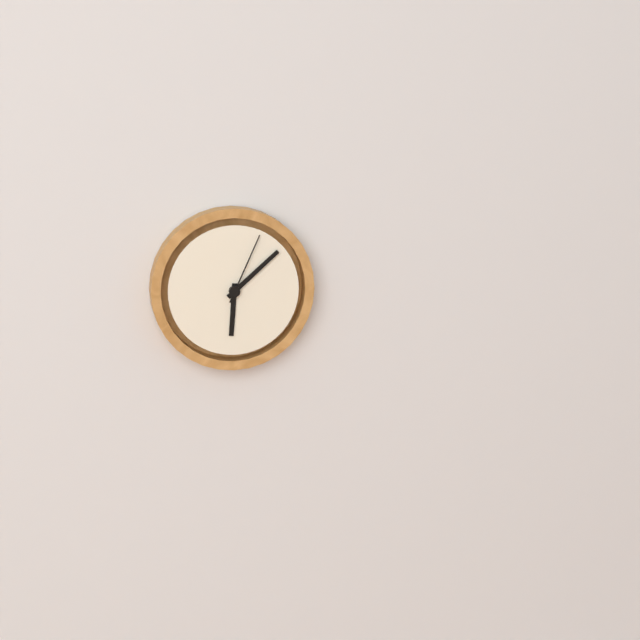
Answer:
6h08m04s
